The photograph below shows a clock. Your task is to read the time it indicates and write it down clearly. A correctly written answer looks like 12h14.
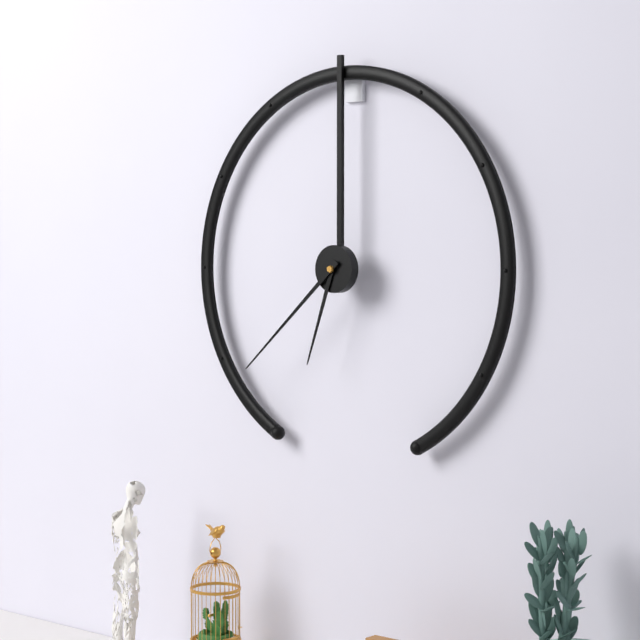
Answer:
6h38
